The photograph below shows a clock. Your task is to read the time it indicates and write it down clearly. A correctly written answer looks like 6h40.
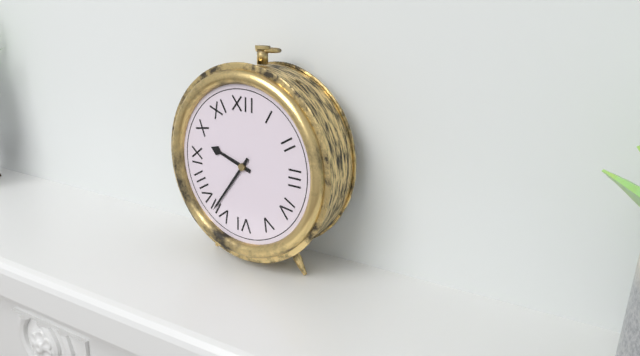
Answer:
9h36
